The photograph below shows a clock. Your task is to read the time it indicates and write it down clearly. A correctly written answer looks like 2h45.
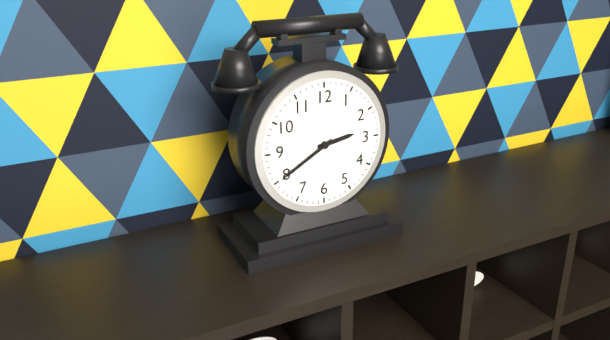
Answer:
2h40
